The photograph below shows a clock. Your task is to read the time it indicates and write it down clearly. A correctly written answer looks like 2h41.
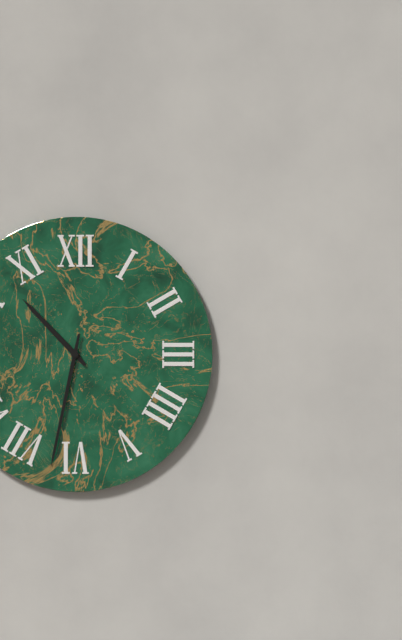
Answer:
10h32
